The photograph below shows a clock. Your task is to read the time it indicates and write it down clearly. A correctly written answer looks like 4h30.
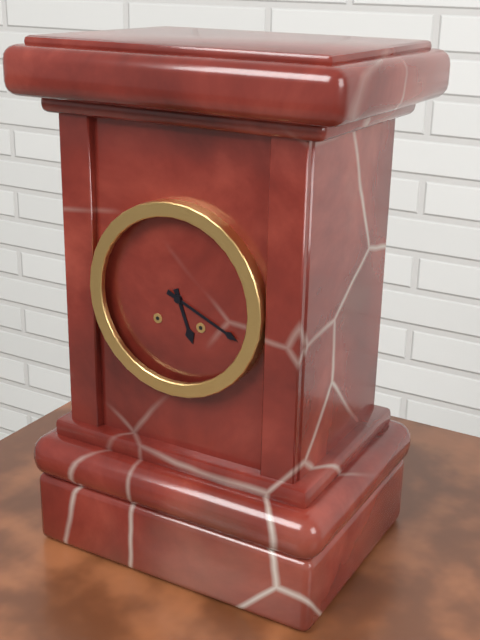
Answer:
5h19
